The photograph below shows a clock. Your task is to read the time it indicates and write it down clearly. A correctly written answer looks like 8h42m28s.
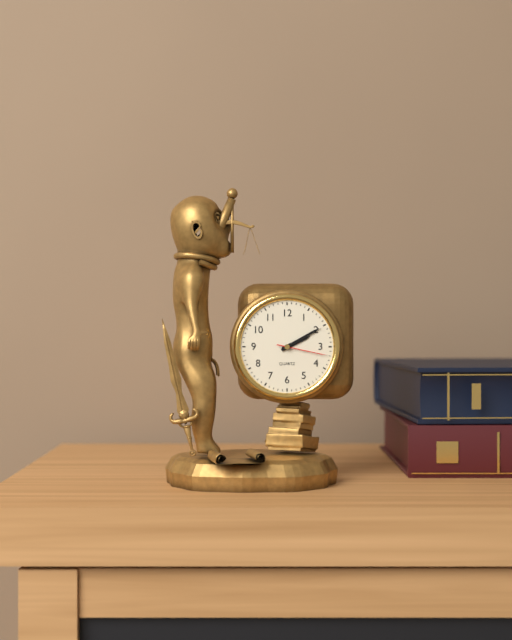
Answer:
2h10m17s
